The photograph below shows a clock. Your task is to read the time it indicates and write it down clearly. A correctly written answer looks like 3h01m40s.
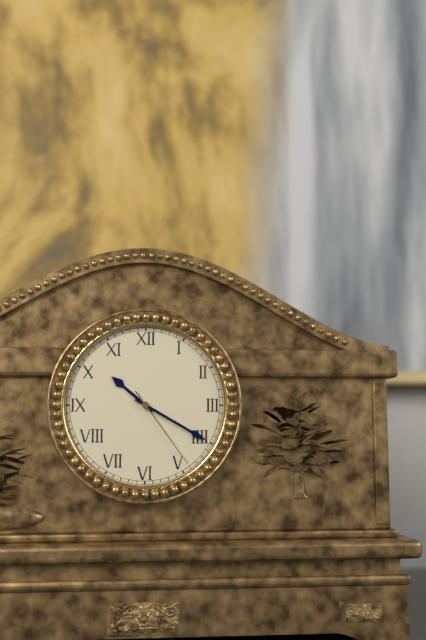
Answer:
10h20m24s
